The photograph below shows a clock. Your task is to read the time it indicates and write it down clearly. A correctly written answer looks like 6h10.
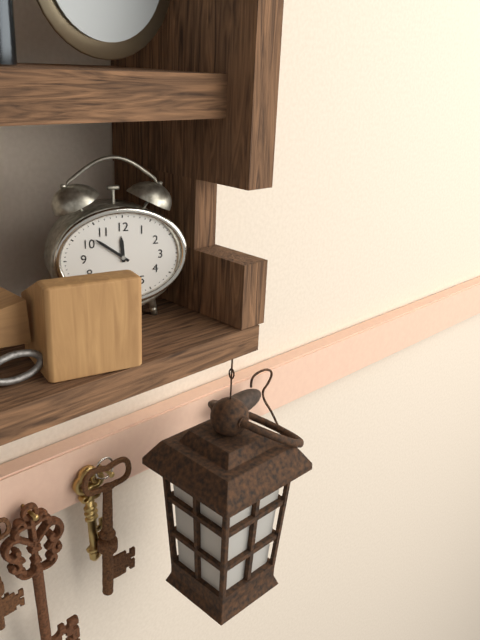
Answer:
11h51
